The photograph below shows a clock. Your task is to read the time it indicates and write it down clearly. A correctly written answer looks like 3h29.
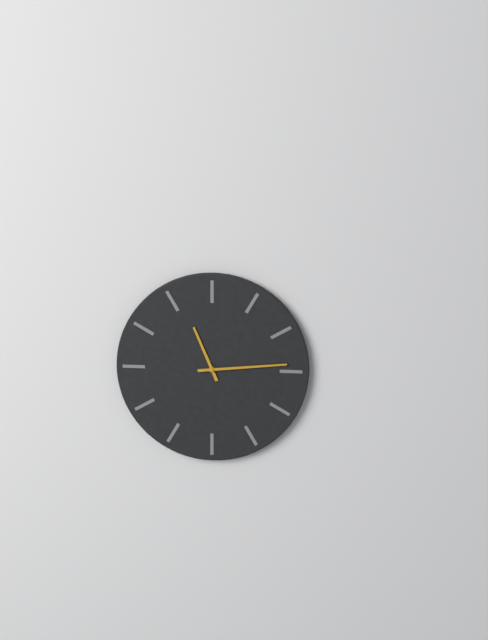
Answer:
11h14
